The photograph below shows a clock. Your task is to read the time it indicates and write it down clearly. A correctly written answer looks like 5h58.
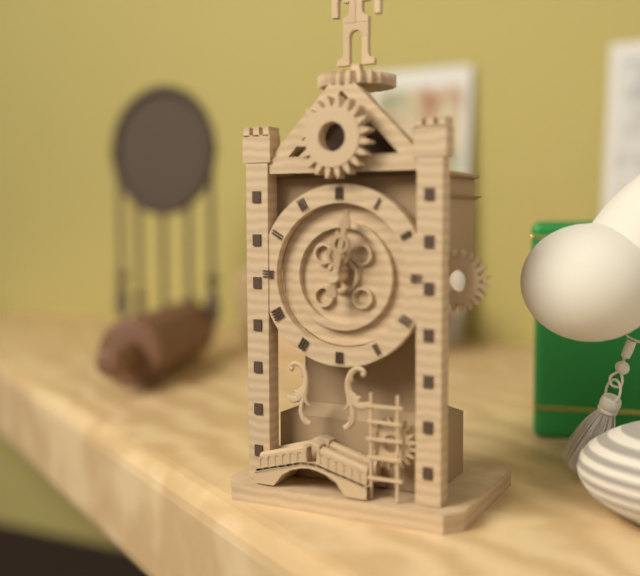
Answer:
12h02
